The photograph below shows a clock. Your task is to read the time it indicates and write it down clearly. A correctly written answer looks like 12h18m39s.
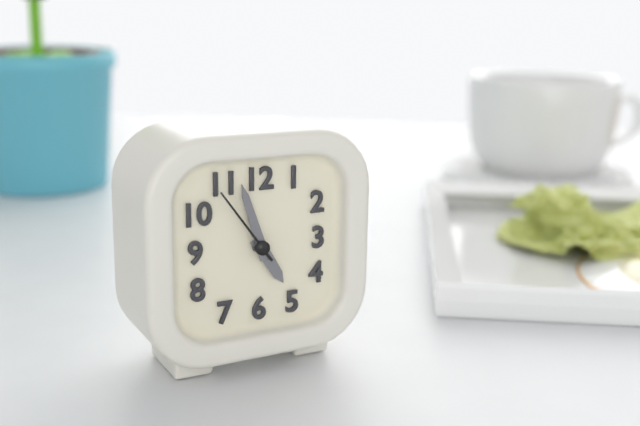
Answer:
4h57m54s
